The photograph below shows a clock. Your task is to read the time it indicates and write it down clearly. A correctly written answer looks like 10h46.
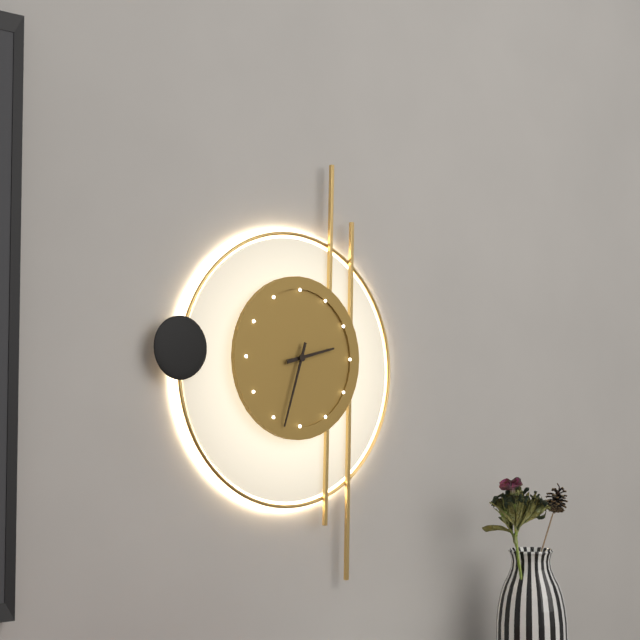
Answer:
2h33
